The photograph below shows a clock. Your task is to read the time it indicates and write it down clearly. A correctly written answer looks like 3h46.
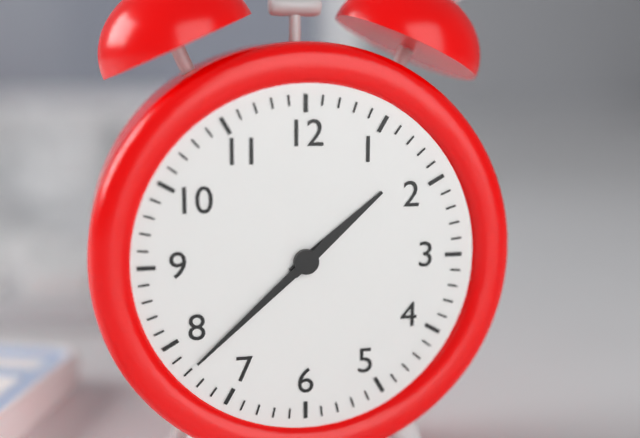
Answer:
1h38
